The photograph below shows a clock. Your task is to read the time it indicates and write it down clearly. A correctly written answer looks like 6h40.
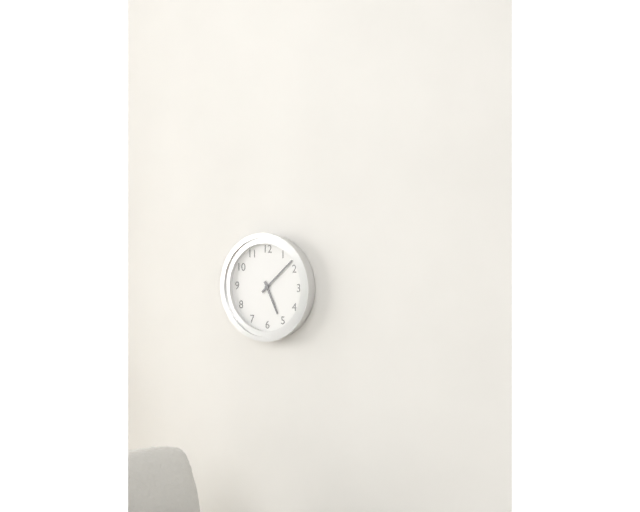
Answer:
5h08
